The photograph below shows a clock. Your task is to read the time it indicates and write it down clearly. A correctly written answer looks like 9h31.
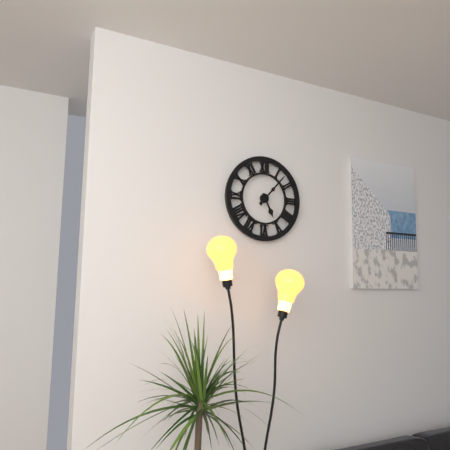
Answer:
5h07
